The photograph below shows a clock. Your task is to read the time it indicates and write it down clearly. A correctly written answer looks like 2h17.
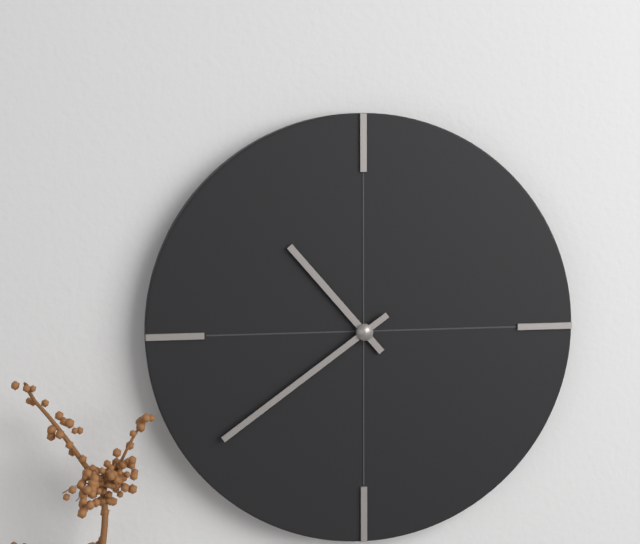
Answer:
10h39
